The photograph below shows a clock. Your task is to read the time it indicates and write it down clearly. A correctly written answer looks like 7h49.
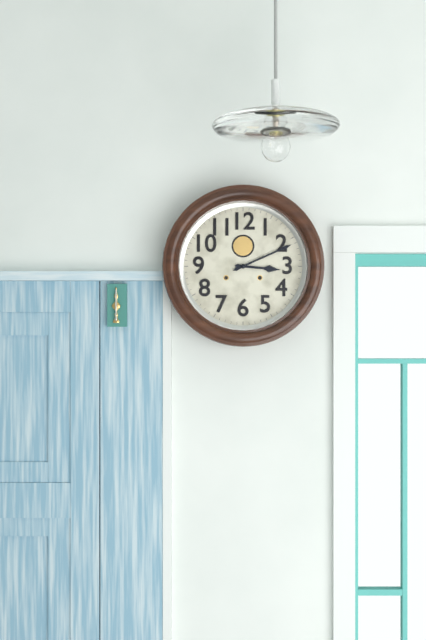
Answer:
3h11
